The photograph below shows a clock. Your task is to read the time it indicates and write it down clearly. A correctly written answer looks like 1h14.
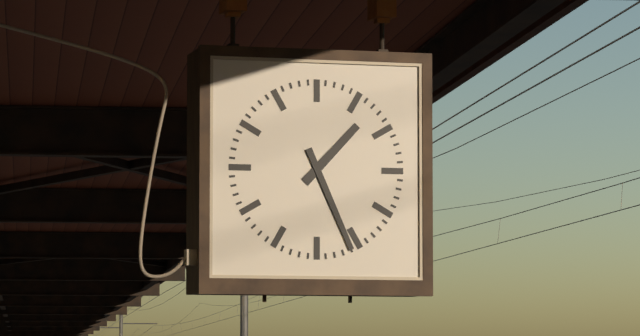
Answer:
1h26
